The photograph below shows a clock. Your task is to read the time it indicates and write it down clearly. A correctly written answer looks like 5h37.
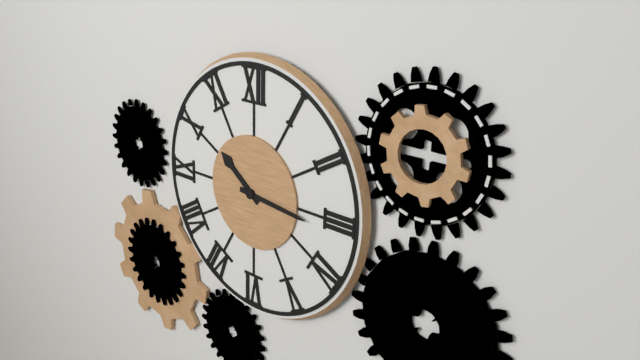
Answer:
10h16
